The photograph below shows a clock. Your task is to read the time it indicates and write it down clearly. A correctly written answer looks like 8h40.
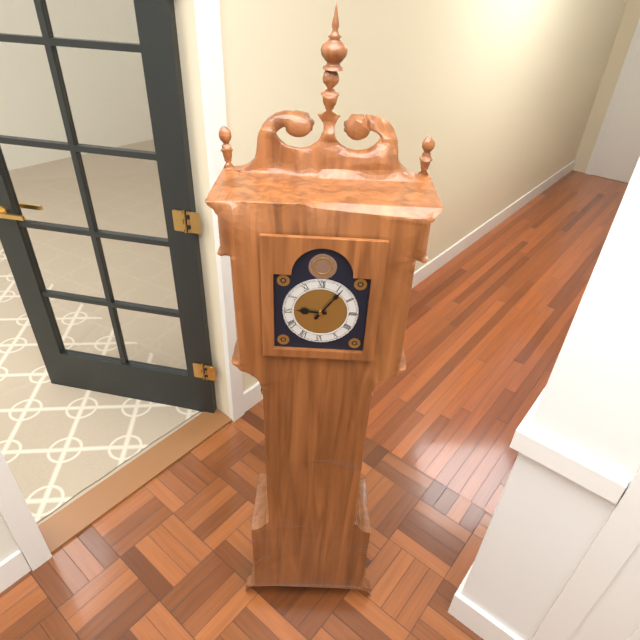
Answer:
9h06
